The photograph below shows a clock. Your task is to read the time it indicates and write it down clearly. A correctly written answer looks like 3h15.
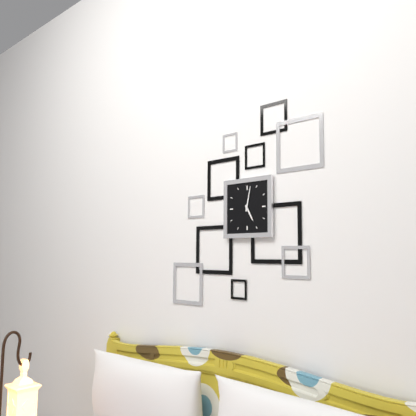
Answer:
5h02
